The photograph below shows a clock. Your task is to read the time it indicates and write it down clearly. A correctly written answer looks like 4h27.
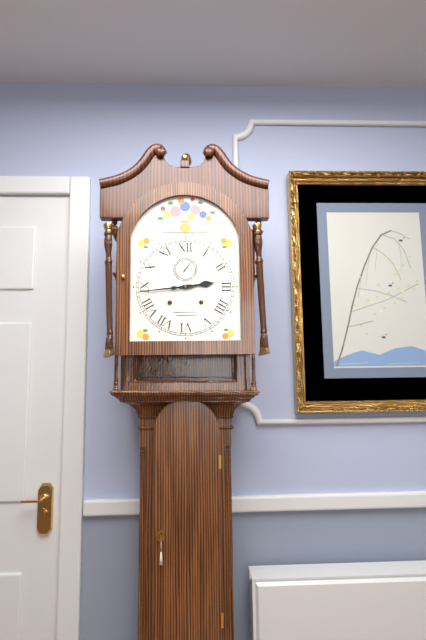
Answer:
2h44
